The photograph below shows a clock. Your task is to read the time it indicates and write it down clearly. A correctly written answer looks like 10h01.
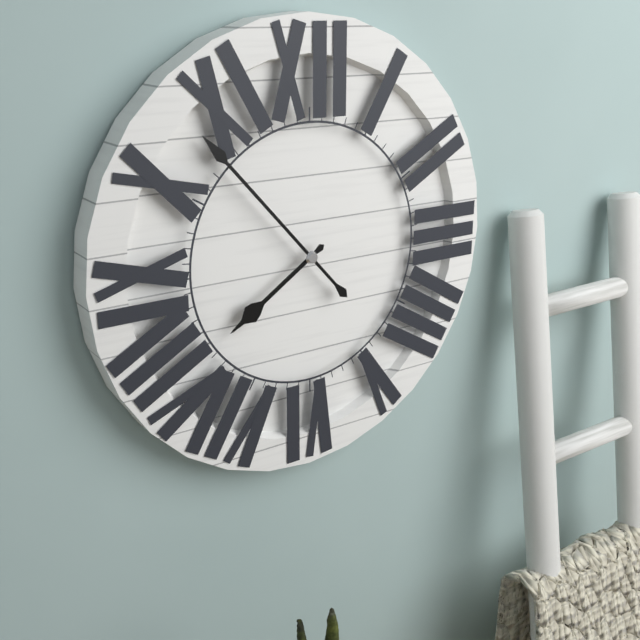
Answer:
7h53
